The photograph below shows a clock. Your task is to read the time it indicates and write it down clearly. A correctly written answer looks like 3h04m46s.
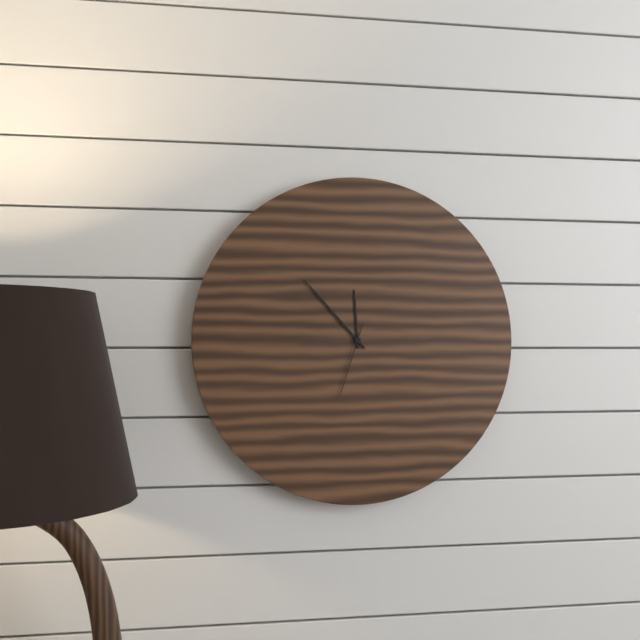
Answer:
11h53m33s
